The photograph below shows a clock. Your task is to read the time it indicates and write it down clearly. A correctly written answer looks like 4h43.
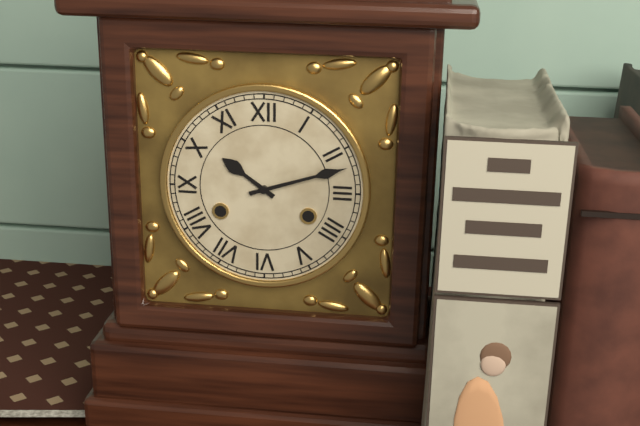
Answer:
10h12
